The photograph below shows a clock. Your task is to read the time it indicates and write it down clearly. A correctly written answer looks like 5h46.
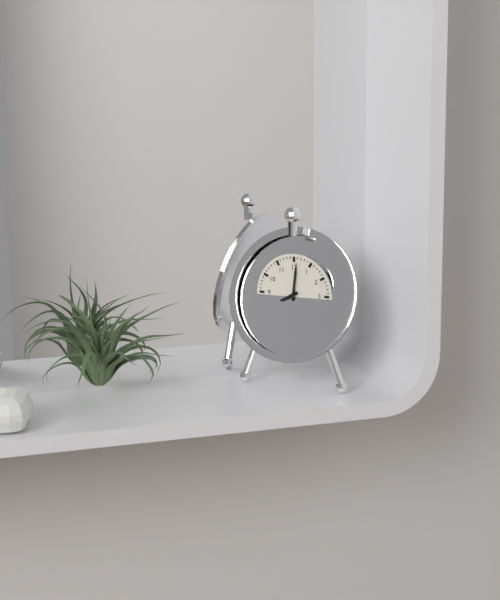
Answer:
8h01
